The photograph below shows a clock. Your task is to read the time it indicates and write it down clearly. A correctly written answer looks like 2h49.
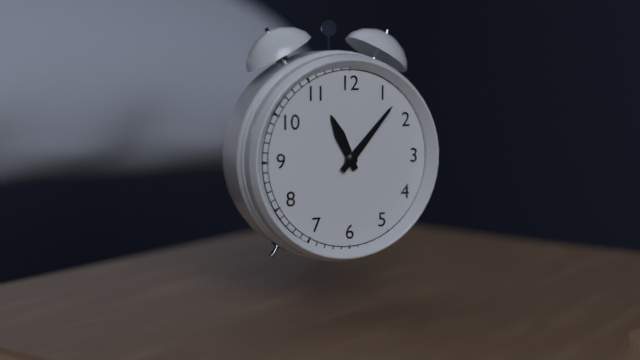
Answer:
11h07
